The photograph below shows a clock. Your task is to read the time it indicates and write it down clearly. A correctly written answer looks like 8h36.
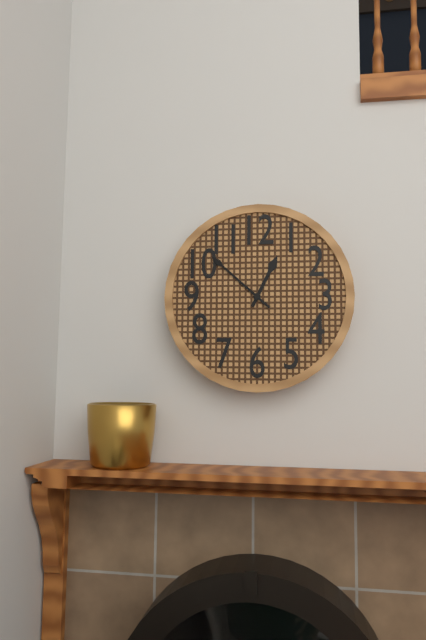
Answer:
12h52
